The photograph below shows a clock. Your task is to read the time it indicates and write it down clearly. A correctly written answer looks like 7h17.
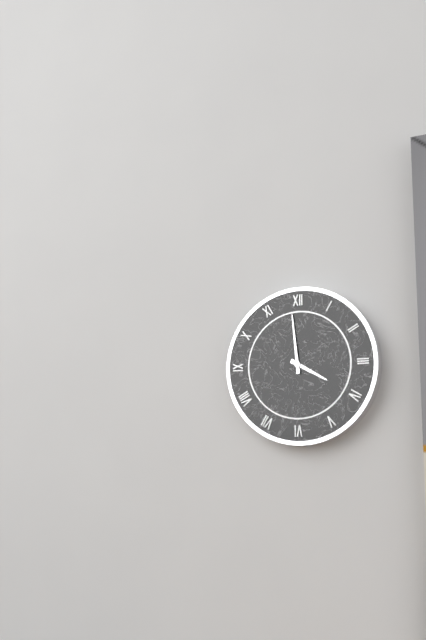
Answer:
3h59
